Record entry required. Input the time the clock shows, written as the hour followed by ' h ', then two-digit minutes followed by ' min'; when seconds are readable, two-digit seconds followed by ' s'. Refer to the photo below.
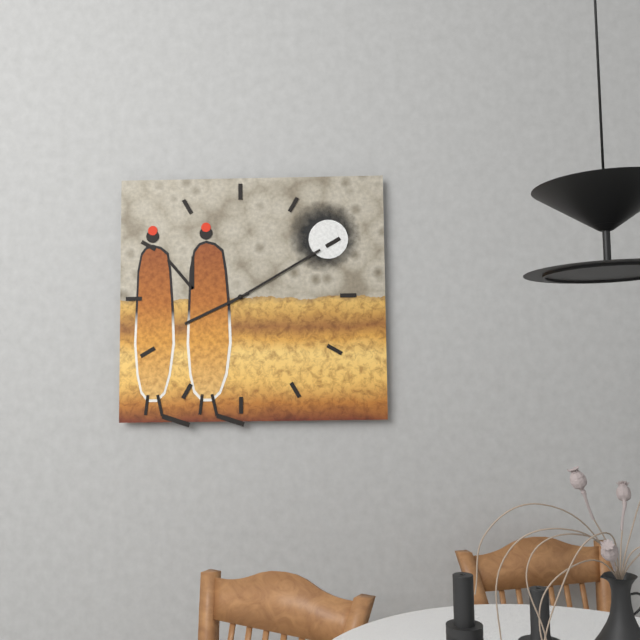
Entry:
8 h 10 min
